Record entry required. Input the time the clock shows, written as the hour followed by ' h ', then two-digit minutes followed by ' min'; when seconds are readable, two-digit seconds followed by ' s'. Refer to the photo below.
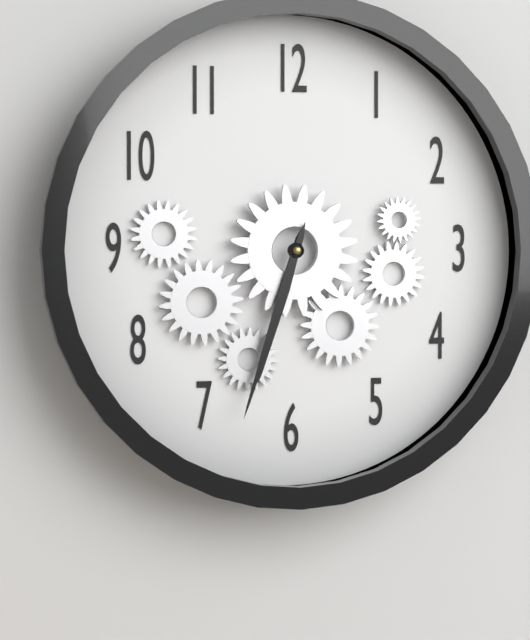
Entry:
6 h 33 min
